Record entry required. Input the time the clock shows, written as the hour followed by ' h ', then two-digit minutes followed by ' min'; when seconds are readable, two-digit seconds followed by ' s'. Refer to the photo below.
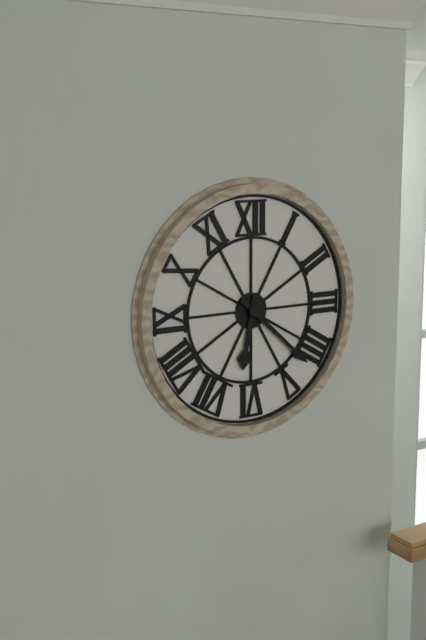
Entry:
6 h 22 min
